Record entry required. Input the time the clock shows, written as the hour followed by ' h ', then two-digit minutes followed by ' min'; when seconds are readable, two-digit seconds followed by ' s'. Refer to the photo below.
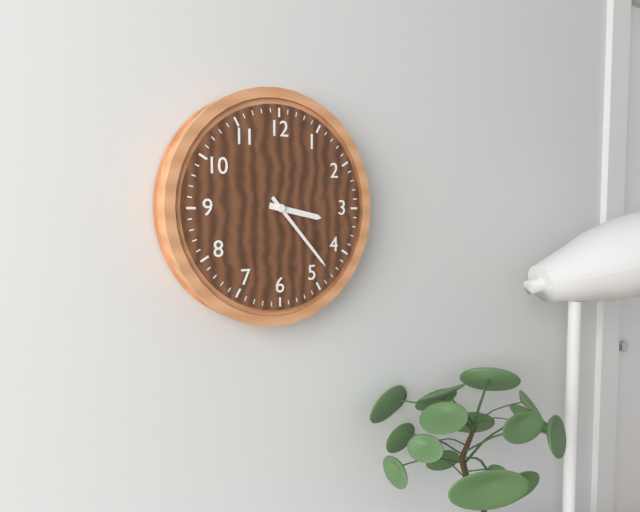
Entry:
3 h 23 min
